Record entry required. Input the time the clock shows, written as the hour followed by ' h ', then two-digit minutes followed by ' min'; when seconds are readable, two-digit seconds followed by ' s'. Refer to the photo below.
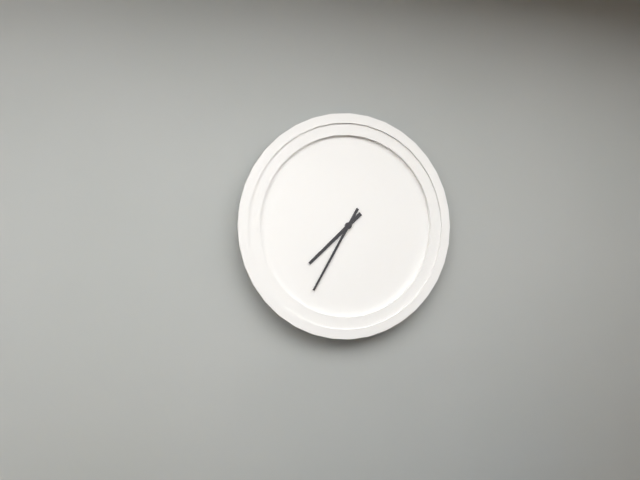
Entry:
7 h 35 min
